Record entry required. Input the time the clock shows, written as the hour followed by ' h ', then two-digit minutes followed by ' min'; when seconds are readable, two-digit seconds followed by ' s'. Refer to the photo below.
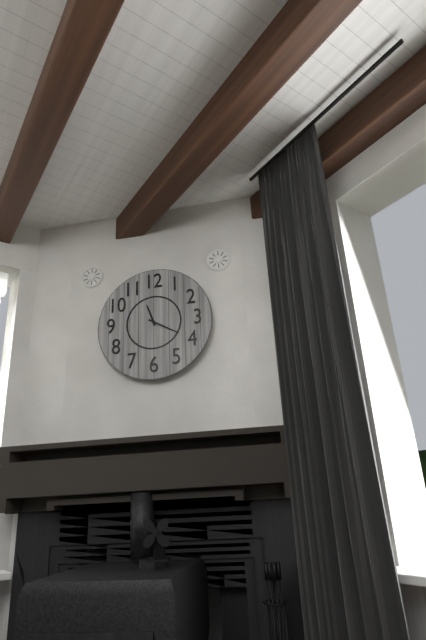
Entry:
11 h 20 min
